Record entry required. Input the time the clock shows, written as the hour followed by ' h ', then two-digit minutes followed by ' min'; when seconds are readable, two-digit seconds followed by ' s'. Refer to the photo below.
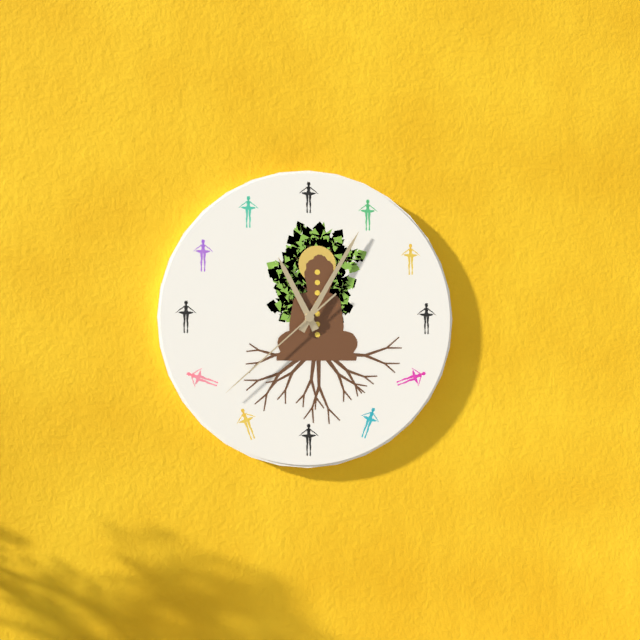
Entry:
11 h 05 min 38 s
